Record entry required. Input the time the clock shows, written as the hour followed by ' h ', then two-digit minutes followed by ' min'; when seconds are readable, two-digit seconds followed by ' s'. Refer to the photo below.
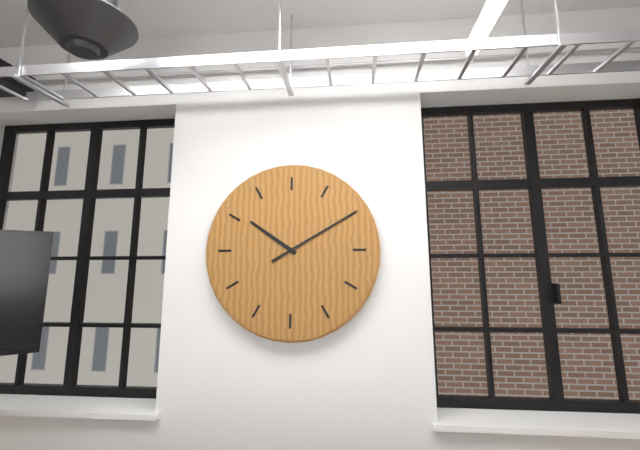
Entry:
10 h 10 min
